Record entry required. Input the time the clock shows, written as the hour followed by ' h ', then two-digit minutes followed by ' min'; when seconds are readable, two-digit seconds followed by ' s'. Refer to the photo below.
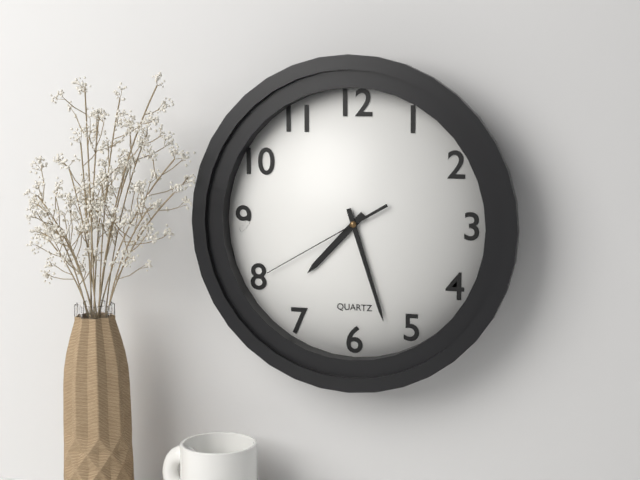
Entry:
7 h 27 min 40 s
